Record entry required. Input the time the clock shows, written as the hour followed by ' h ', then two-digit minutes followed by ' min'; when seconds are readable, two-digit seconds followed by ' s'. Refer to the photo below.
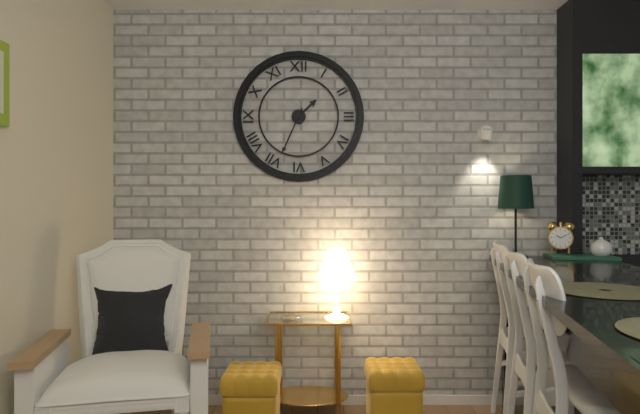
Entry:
1 h 34 min
